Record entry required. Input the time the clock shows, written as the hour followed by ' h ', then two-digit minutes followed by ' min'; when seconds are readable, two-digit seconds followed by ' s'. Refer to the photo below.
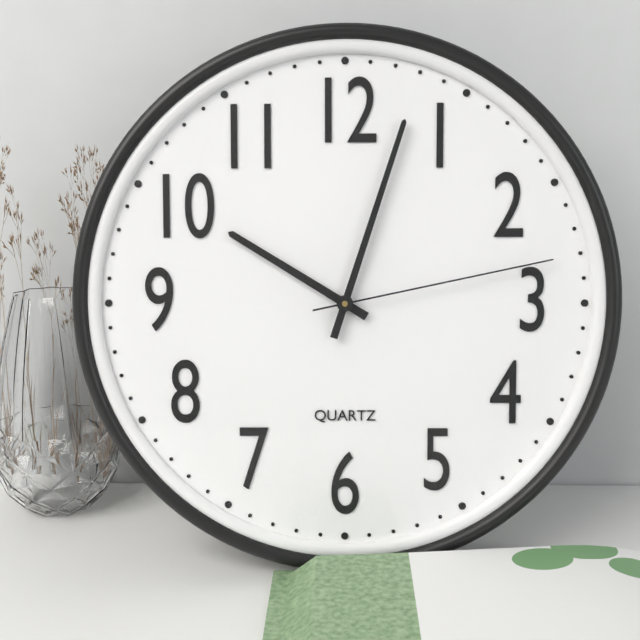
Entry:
10 h 03 min 13 s
